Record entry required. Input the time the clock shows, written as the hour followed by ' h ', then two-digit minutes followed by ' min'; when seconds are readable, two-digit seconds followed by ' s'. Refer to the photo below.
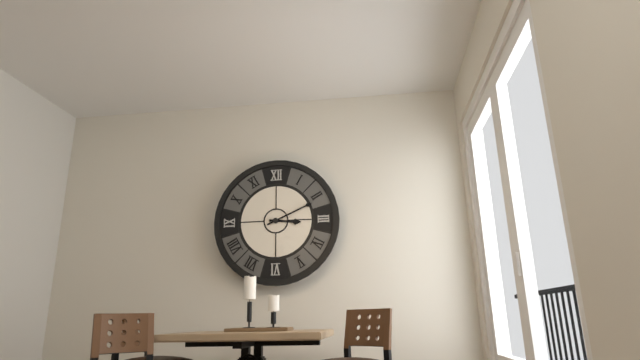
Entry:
3 h 11 min
